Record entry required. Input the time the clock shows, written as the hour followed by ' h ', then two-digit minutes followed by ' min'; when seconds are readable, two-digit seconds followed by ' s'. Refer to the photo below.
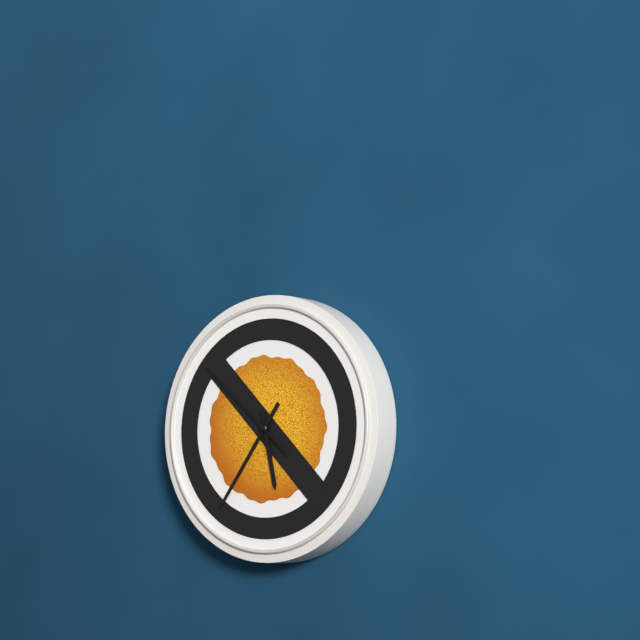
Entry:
5 h 36 min 52 s
